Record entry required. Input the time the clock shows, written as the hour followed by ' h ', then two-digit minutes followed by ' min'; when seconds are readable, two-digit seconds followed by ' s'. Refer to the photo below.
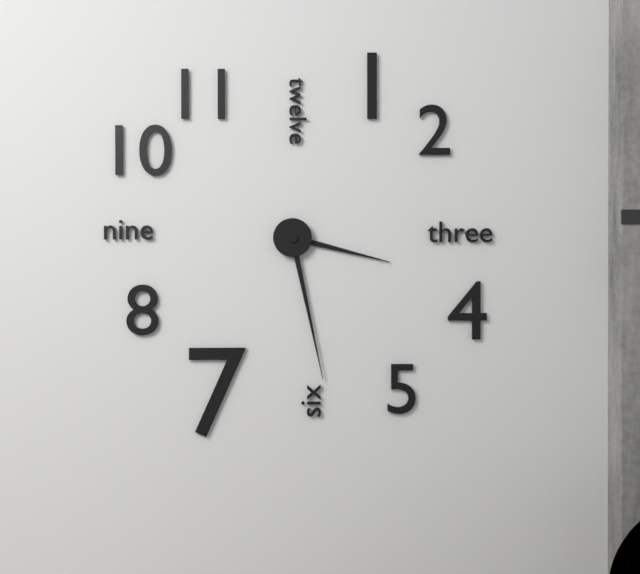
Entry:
3 h 28 min
